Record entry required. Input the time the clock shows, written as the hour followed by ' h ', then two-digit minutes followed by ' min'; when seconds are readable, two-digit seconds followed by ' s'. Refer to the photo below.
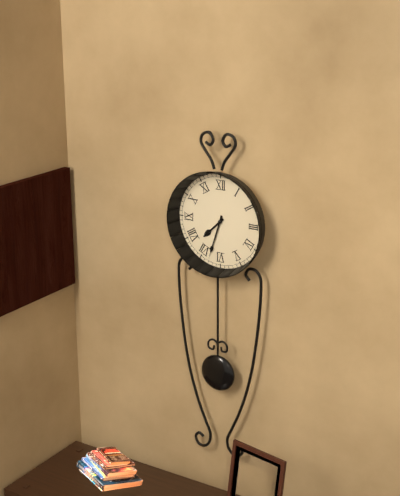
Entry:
7 h 33 min
